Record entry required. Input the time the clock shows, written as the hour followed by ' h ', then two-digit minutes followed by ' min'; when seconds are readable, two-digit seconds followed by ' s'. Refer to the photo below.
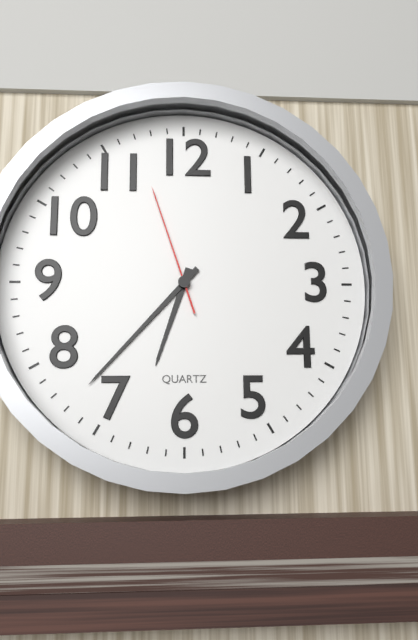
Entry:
6 h 37 min 57 s
